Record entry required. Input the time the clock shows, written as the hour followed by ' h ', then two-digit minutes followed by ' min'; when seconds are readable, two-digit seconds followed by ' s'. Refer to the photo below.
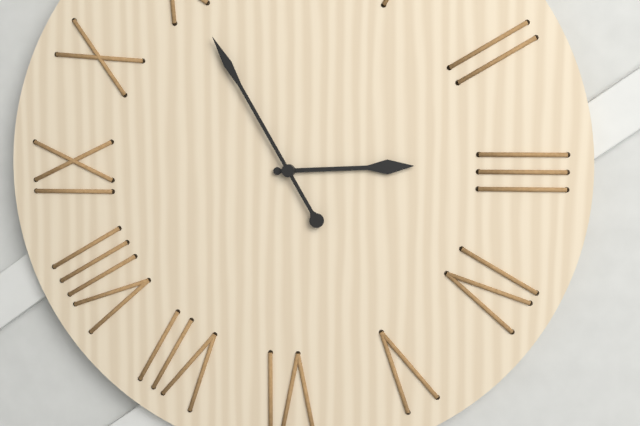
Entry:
2 h 55 min
